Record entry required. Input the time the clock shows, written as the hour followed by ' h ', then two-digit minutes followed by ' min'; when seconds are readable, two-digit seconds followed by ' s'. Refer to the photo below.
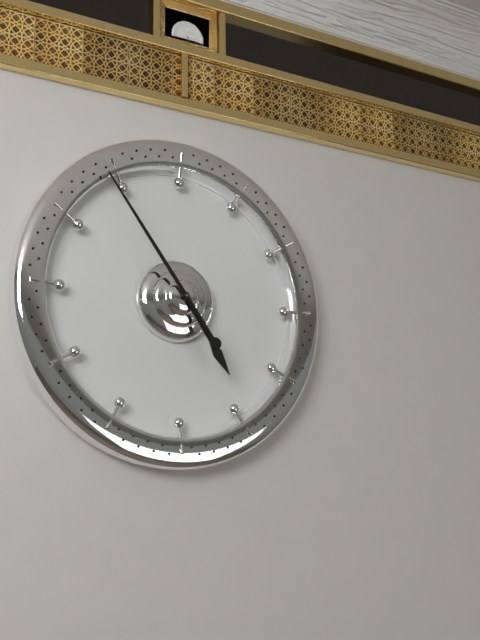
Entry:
4 h 54 min
